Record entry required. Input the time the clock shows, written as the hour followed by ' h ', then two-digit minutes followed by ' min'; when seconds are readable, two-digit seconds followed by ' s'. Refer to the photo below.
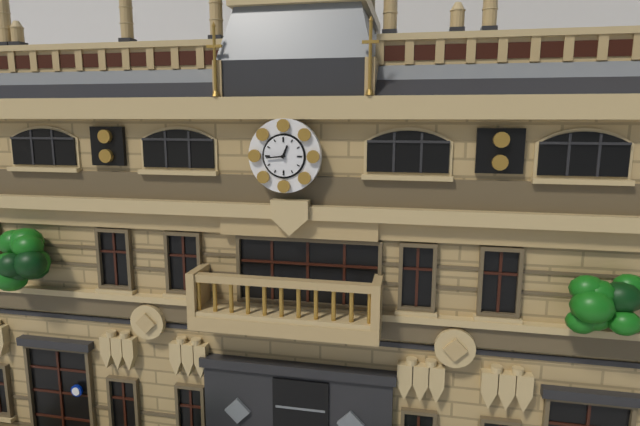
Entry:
12 h 44 min
